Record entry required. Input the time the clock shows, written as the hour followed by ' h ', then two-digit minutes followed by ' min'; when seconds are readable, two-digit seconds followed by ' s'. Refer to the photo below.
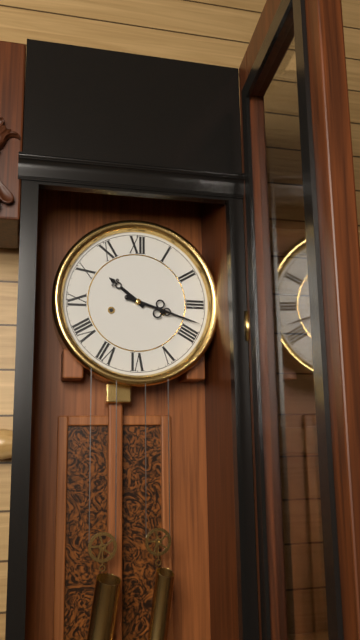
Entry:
10 h 18 min
